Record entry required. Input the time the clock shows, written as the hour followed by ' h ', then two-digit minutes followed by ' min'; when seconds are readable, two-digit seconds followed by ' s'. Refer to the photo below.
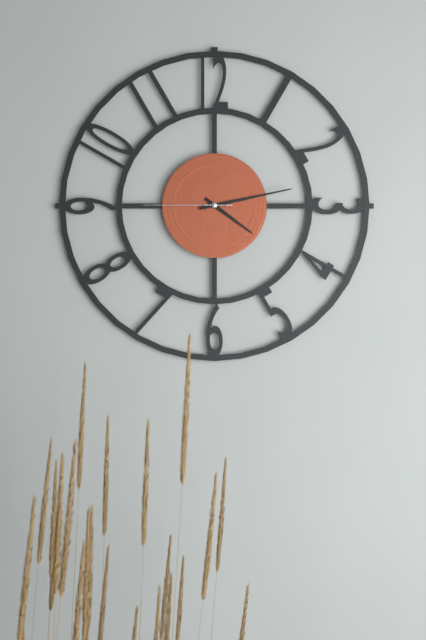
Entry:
4 h 13 min 45 s
